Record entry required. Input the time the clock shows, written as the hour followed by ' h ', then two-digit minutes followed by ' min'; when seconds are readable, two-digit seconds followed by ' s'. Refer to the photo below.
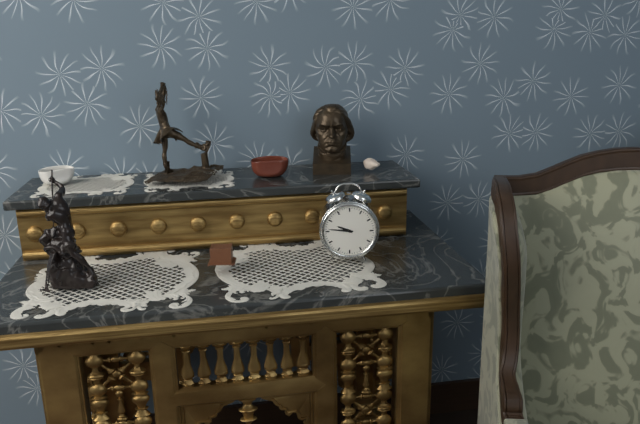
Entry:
9 h 46 min
